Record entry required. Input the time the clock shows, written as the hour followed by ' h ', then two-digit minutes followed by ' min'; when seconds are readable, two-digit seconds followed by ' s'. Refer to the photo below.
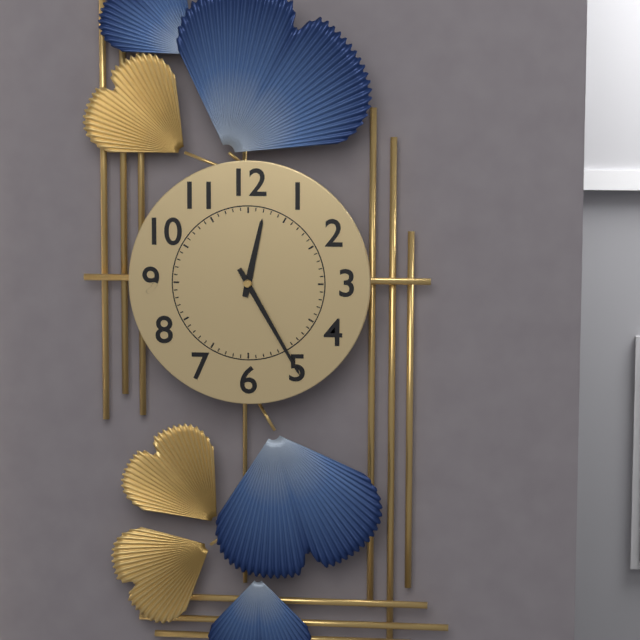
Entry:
12 h 25 min
